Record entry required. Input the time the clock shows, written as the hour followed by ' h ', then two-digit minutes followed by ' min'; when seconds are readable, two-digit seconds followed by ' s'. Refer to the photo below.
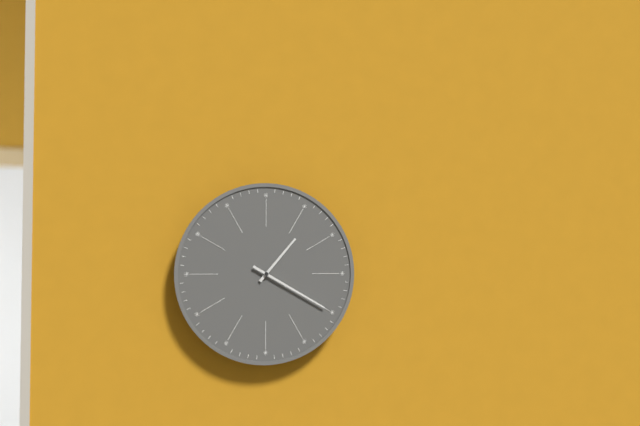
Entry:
1 h 20 min
